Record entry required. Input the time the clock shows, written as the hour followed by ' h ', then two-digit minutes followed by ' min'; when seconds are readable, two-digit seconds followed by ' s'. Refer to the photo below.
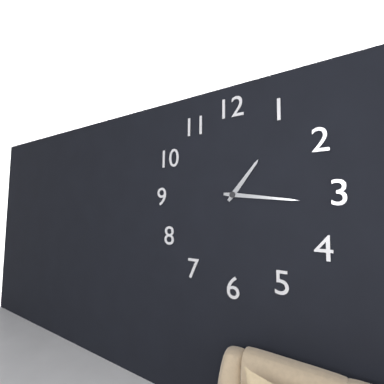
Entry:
1 h 16 min
